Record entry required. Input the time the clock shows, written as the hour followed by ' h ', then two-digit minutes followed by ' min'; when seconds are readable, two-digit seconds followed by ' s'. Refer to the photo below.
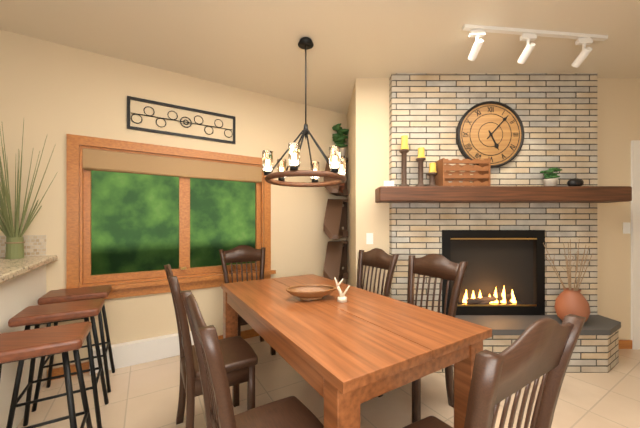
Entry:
5 h 07 min
